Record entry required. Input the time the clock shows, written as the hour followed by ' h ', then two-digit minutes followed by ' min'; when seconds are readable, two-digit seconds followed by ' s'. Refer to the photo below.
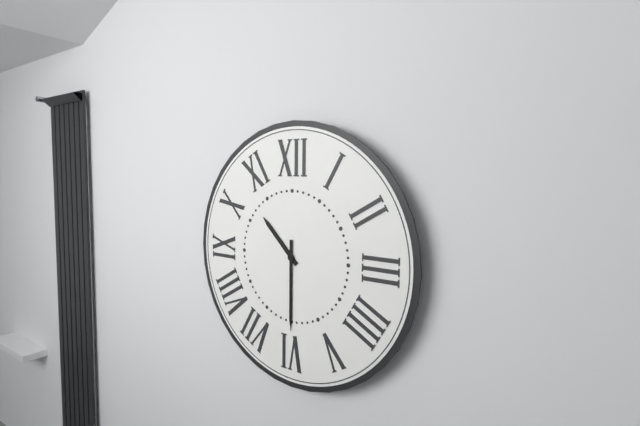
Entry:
10 h 30 min
